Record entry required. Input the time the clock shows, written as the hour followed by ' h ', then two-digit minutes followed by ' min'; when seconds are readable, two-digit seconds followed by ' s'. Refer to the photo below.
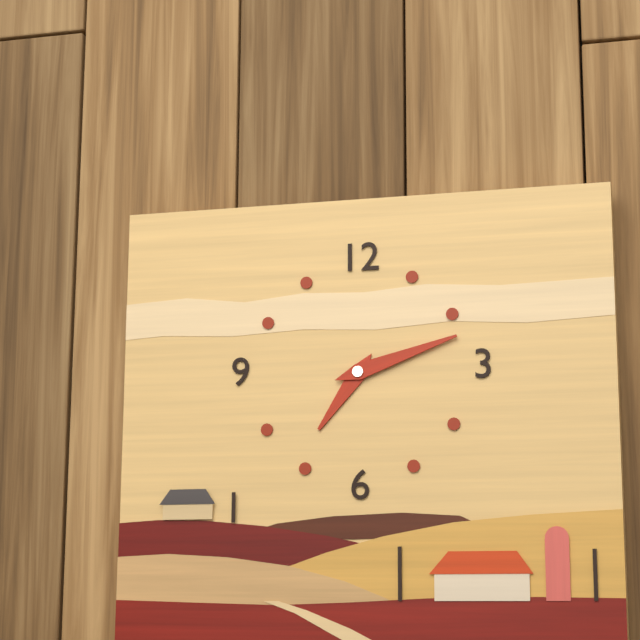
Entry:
7 h 12 min
